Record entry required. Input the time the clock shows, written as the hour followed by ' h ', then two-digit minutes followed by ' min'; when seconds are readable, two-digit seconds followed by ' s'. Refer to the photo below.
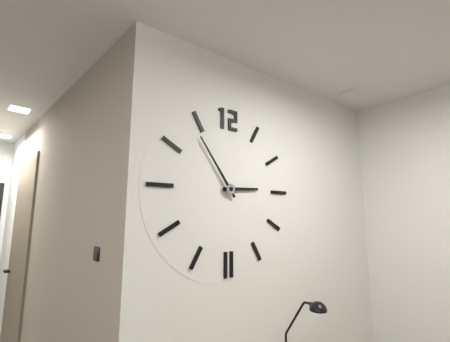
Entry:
2 h 54 min
